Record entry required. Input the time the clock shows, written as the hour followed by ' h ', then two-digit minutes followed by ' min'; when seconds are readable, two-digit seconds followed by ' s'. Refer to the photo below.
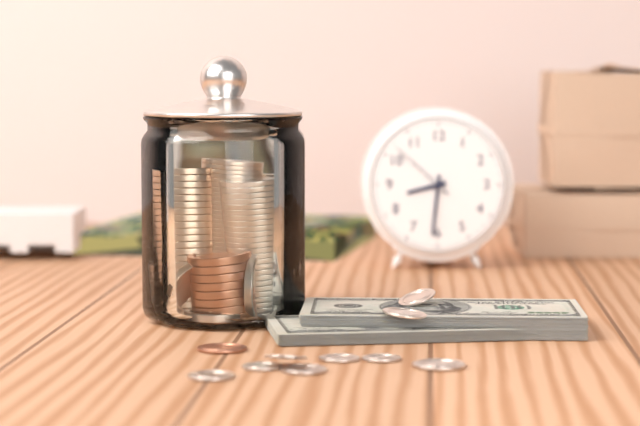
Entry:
8 h 31 min 52 s
